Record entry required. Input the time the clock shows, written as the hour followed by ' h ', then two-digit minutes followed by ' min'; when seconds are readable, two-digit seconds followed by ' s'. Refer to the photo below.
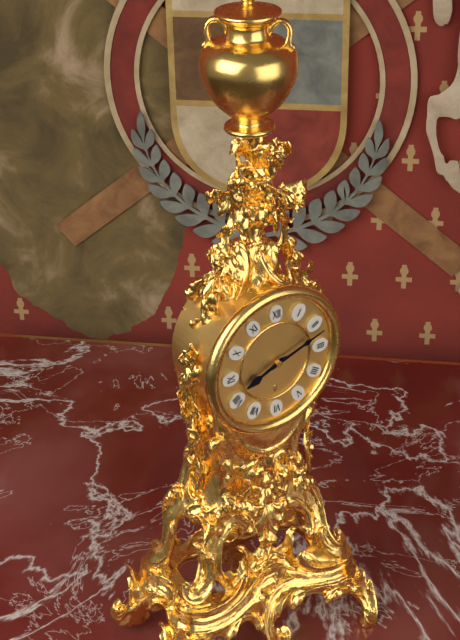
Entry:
8 h 12 min
